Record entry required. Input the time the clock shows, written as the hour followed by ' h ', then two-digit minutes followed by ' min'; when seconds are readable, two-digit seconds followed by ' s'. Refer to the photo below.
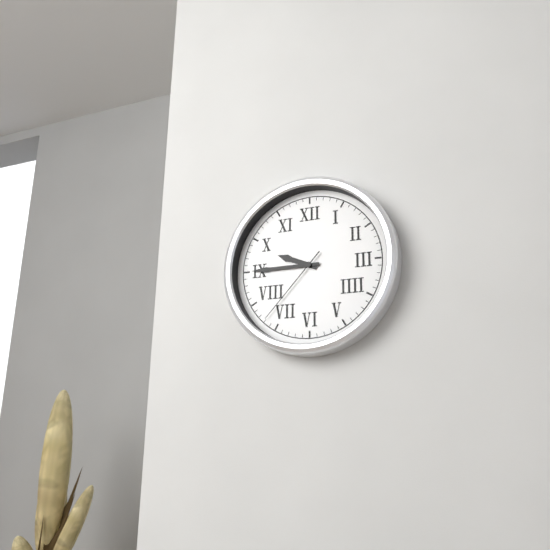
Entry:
9 h 45 min 37 s
